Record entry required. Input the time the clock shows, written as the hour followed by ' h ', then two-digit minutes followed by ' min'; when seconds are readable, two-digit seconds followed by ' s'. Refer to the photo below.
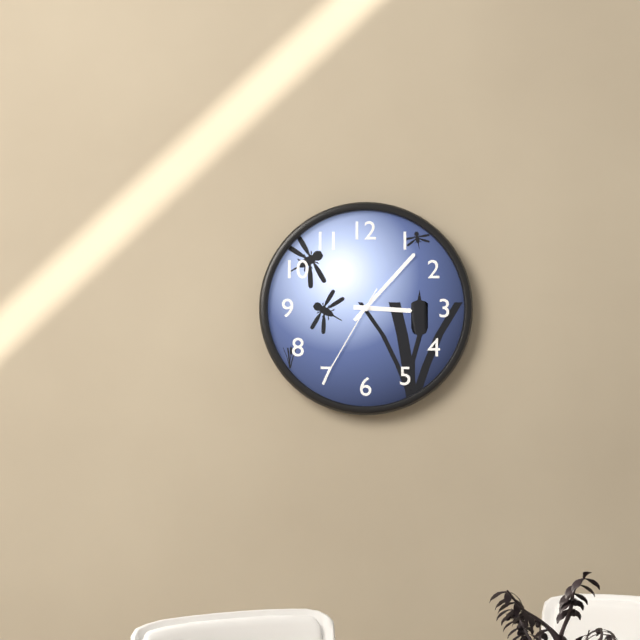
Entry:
3 h 07 min 35 s
